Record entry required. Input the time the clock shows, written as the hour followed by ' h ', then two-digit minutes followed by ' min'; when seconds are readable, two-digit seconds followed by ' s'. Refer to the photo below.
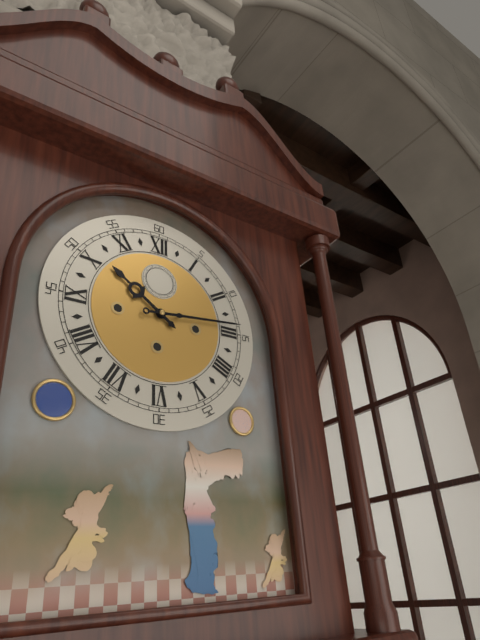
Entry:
10 h 14 min
